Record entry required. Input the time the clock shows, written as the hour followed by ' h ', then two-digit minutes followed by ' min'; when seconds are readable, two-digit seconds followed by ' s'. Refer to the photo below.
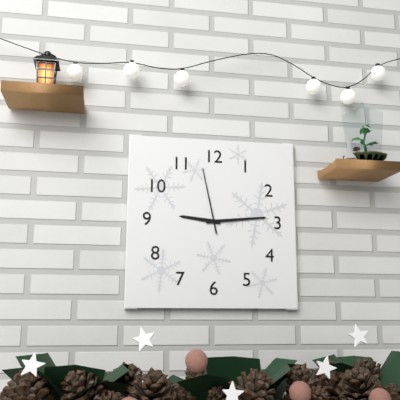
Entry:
9 h 14 min 58 s
